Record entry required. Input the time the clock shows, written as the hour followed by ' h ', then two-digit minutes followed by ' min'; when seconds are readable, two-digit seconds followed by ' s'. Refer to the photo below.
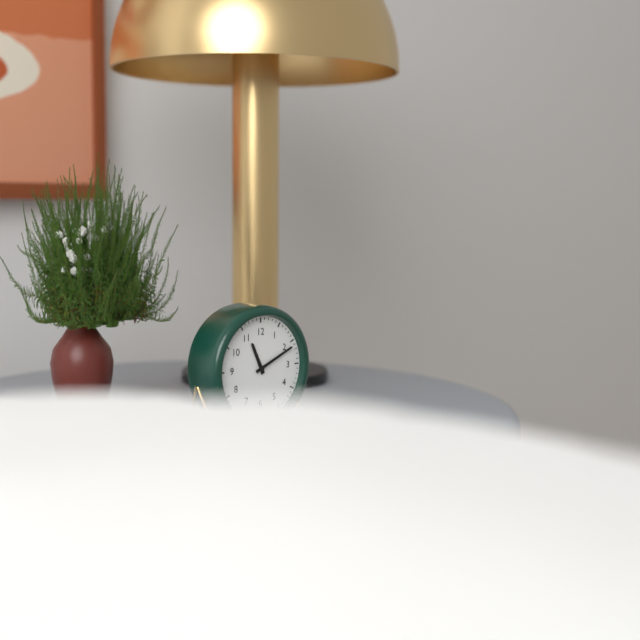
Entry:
11 h 11 min
